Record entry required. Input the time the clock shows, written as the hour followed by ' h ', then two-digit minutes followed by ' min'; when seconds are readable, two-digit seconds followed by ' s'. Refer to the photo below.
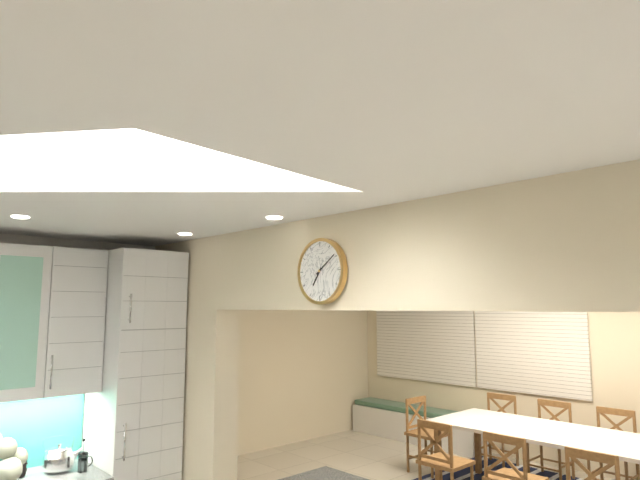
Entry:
7 h 09 min
